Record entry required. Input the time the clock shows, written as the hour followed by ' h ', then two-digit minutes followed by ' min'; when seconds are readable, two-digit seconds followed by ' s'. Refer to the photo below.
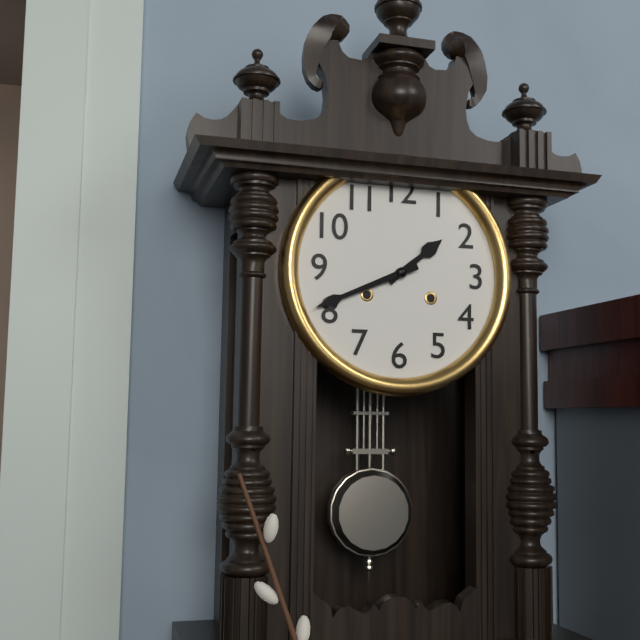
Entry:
1 h 41 min
